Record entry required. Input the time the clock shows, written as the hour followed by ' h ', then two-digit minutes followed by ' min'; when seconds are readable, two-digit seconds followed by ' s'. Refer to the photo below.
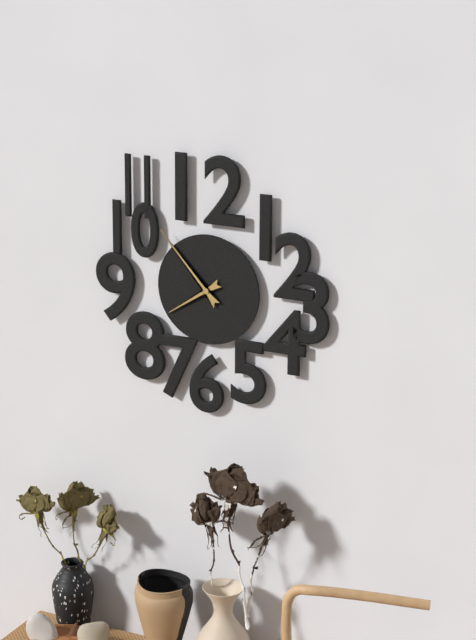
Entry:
7 h 53 min
